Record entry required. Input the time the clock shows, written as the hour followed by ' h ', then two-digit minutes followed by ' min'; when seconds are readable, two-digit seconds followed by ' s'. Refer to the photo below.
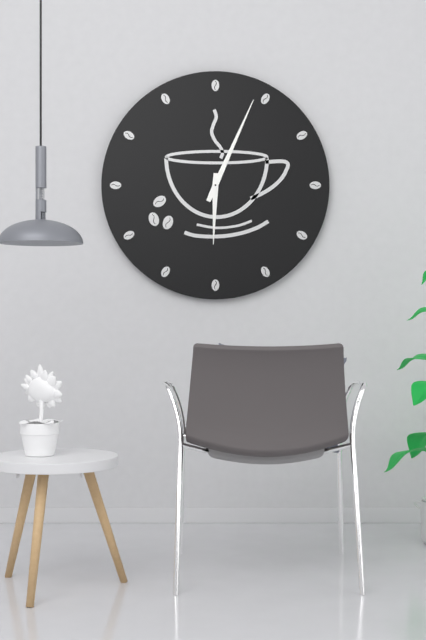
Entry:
6 h 04 min
